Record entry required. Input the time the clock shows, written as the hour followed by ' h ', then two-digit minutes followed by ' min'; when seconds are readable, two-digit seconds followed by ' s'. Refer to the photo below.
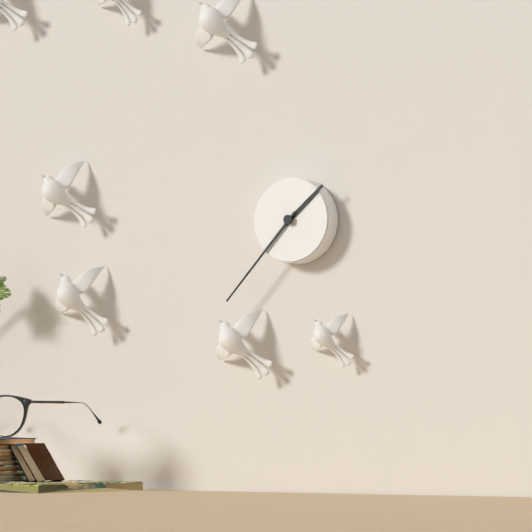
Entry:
1 h 37 min
